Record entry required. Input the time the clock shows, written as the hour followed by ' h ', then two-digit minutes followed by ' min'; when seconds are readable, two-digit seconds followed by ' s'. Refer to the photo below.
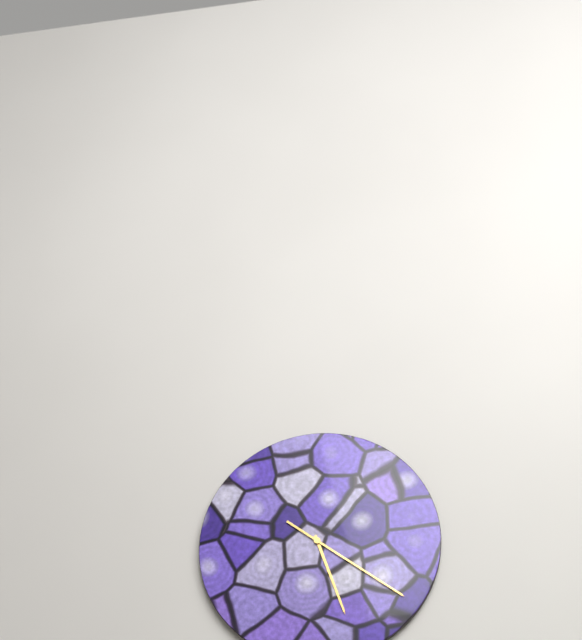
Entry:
5 h 21 min
